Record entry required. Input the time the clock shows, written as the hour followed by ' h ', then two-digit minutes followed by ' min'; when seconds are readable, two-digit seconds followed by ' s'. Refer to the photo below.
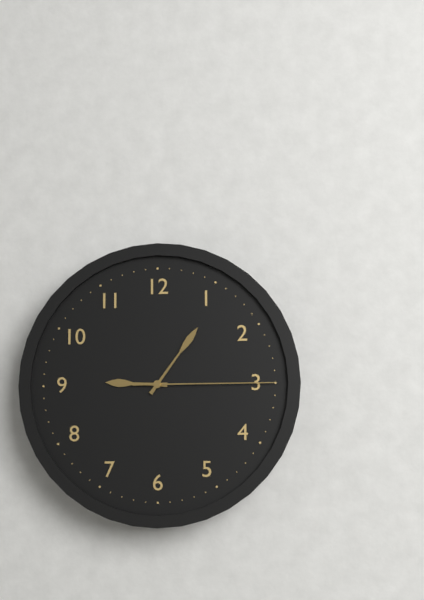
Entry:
9 h 06 min 15 s
